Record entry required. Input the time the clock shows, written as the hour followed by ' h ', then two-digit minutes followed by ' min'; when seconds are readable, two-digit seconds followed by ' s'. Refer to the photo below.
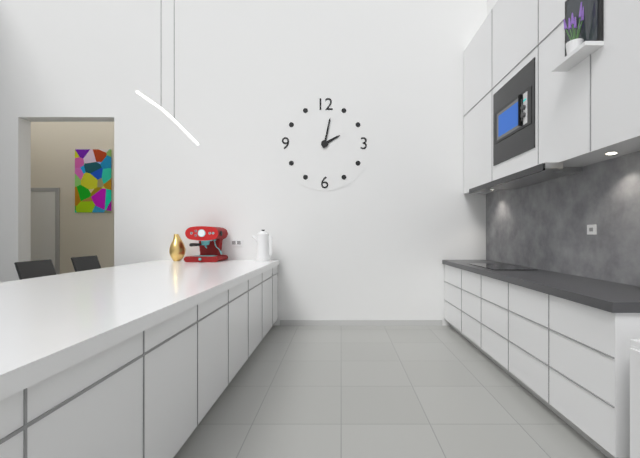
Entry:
2 h 02 min
